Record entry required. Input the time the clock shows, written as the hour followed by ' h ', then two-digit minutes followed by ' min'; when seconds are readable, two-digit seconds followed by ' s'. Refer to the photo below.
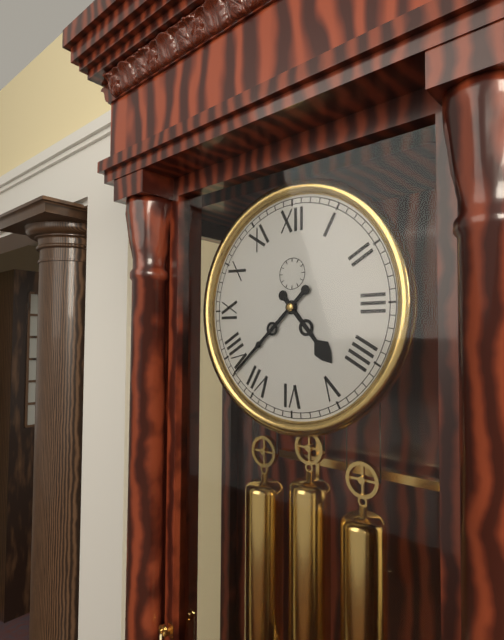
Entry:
4 h 38 min
